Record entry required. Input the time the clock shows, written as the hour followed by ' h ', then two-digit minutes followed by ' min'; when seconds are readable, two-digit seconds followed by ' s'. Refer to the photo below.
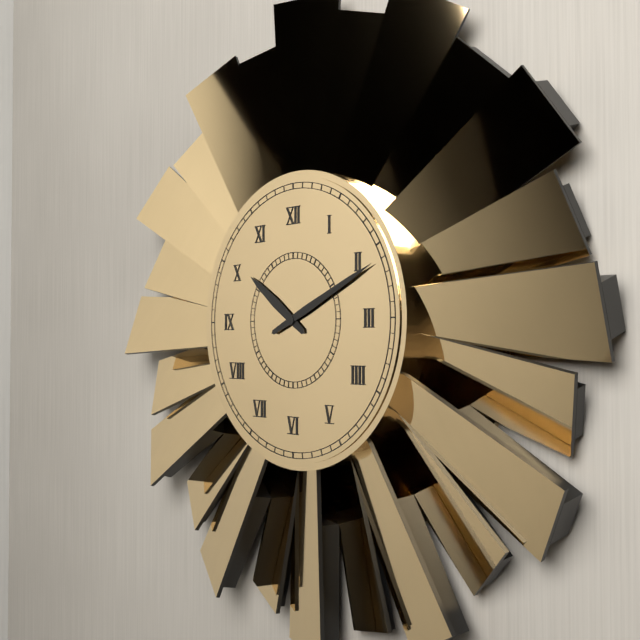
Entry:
10 h 11 min
